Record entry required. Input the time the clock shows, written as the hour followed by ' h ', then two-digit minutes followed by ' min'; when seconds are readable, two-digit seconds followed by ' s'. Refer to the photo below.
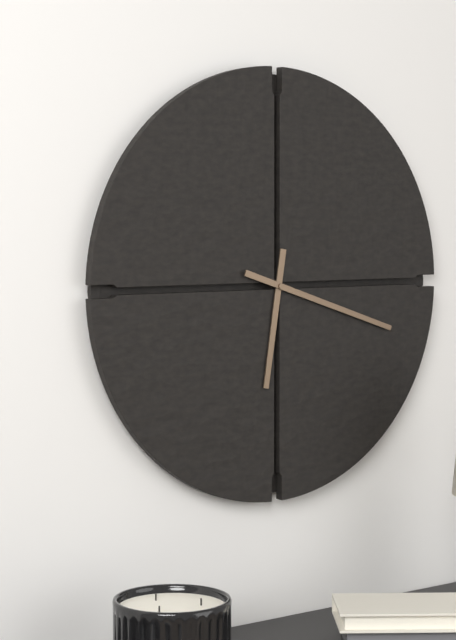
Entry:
6 h 18 min
